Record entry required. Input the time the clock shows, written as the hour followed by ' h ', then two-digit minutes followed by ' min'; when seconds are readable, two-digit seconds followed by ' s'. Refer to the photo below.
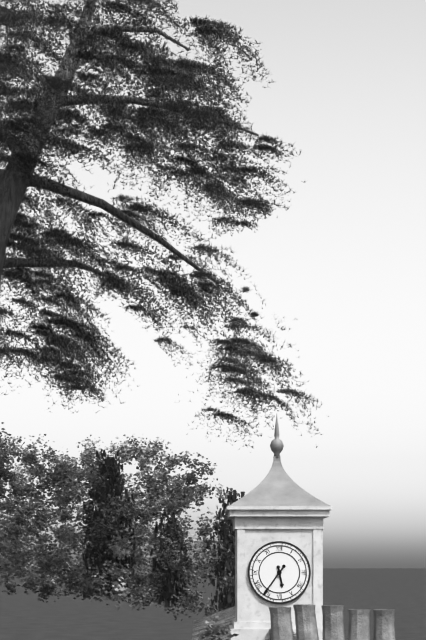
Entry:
5 h 36 min
